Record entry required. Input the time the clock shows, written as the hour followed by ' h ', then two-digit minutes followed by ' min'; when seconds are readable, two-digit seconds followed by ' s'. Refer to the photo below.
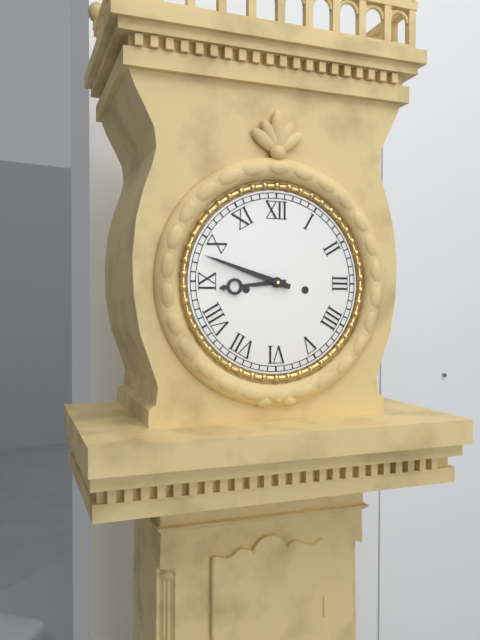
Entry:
8 h 48 min
